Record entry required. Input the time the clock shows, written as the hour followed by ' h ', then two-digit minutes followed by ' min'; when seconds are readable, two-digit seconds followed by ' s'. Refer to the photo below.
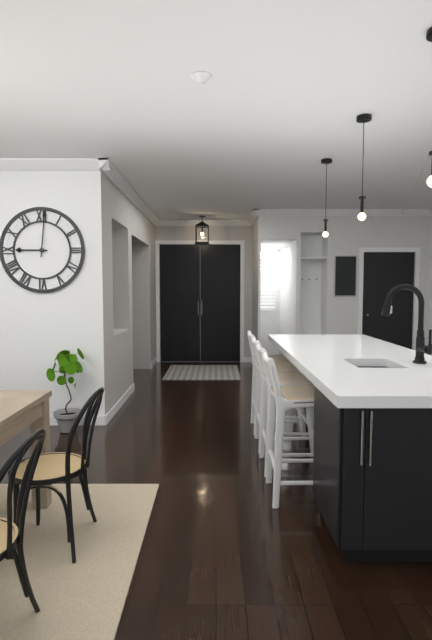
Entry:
9 h 01 min
